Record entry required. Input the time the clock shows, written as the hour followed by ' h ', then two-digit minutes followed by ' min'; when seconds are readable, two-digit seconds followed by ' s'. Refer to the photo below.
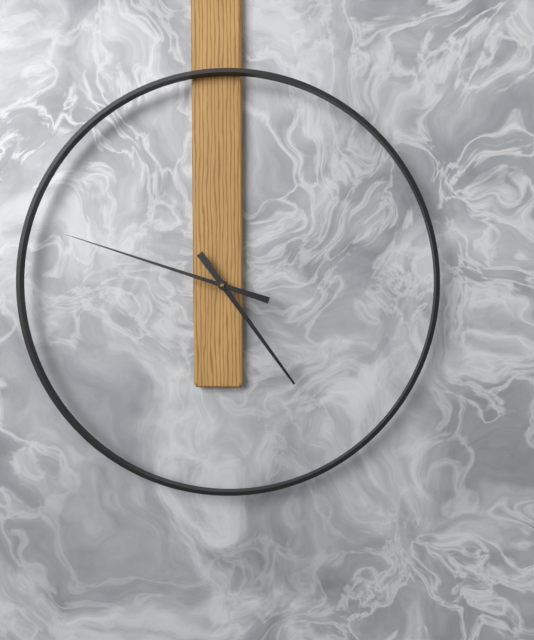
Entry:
4 h 48 min
